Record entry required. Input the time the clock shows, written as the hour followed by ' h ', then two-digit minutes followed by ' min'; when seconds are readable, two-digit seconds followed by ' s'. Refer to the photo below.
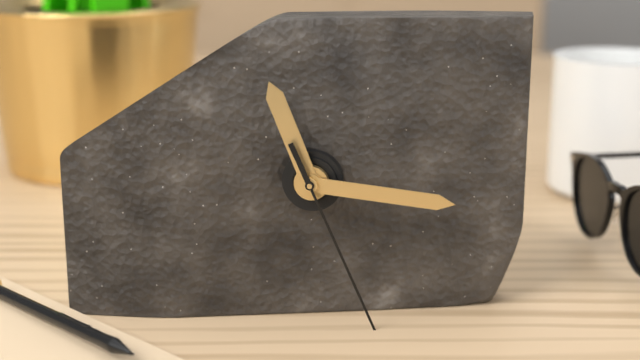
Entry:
11 h 16 min
